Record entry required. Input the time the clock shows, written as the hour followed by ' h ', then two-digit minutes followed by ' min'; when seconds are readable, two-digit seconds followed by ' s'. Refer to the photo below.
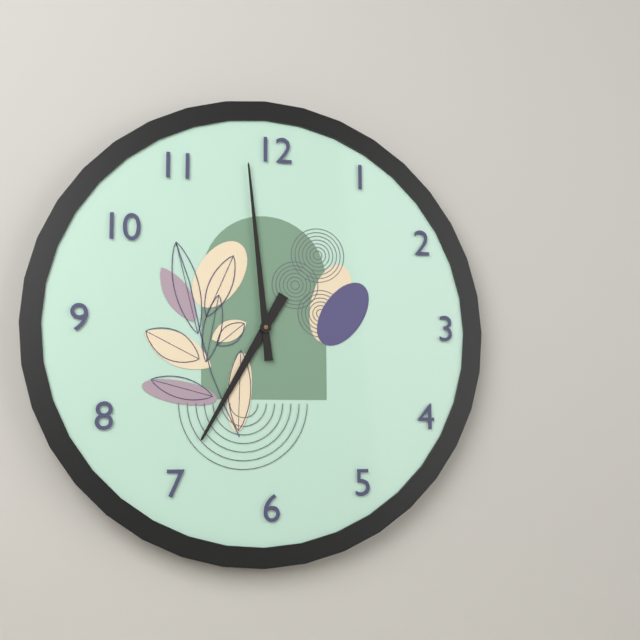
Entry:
6 h 59 min
